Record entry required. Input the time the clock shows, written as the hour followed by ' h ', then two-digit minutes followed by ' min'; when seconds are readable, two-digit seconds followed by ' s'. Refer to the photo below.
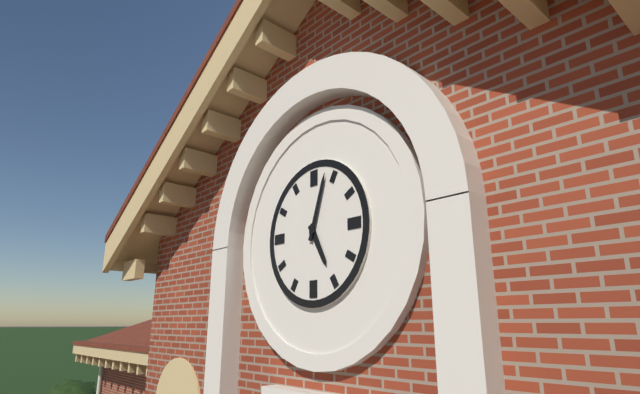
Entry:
5 h 03 min
